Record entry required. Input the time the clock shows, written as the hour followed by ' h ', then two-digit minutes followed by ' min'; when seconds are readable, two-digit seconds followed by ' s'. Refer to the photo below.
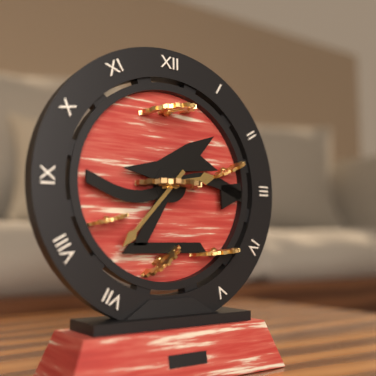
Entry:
2 h 37 min
